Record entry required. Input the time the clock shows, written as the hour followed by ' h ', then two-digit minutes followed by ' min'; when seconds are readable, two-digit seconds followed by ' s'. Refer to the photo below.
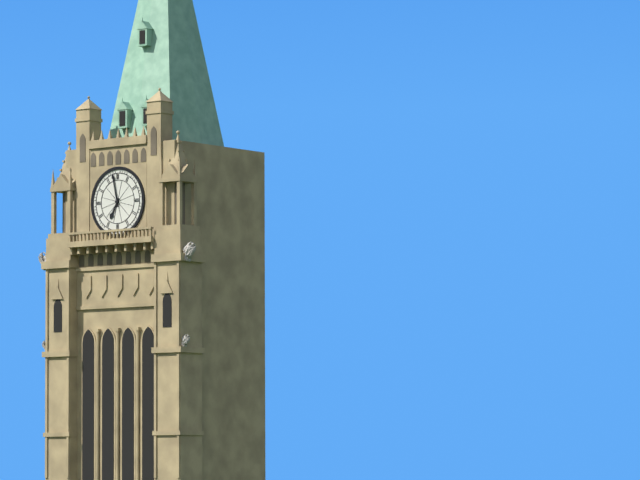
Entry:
6 h 58 min
